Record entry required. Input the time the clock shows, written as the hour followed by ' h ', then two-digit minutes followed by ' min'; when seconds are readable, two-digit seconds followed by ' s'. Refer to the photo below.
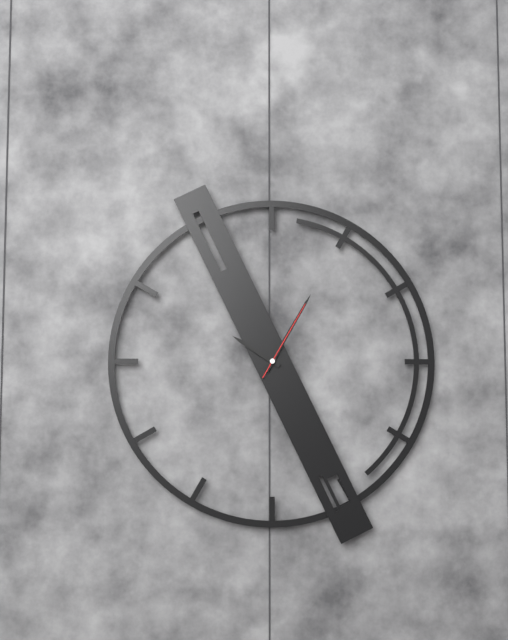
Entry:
10 h 05 min 05 s
